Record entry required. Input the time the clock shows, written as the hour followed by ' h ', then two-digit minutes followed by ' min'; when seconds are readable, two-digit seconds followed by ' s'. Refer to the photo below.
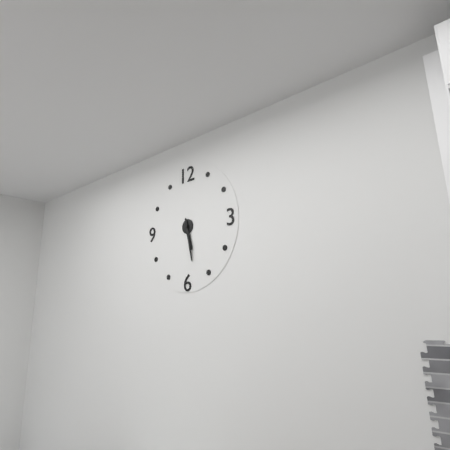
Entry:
5 h 28 min
